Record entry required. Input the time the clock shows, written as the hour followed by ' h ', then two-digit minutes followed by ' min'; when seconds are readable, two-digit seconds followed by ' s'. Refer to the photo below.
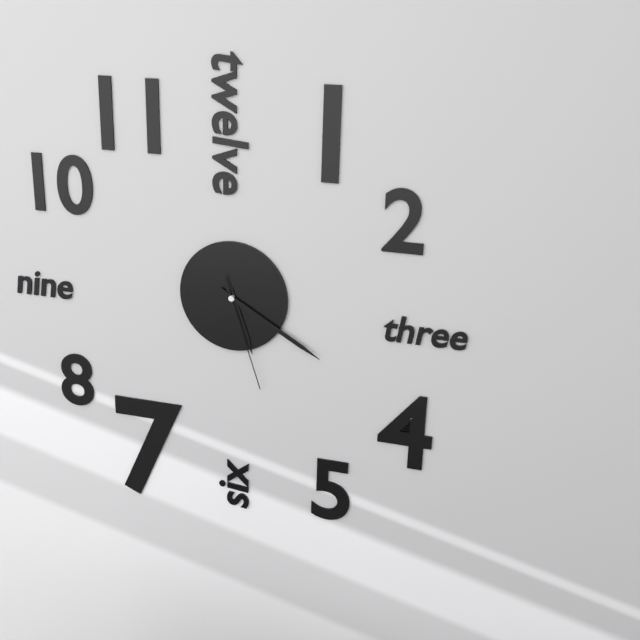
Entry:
5 h 20 min 27 s
